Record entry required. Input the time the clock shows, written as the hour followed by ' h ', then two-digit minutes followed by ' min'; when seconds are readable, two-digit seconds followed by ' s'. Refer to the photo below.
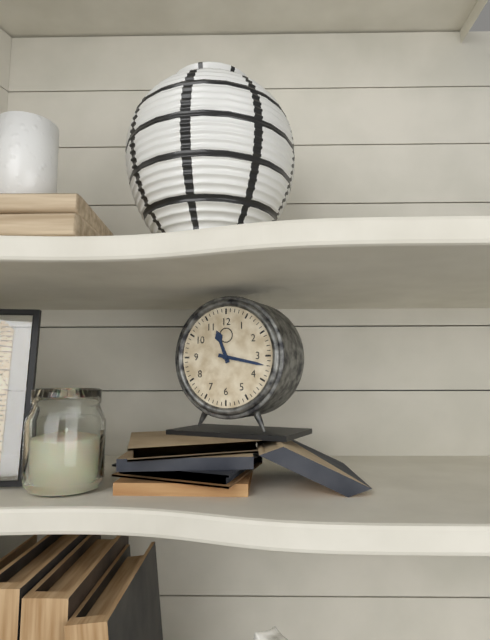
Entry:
11 h 17 min
